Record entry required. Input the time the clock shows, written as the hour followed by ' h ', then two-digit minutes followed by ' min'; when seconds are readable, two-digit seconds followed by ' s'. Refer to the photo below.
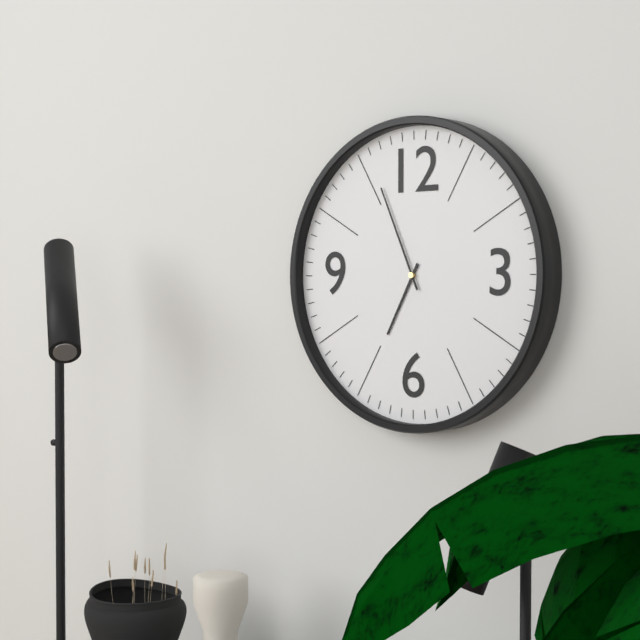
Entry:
6 h 56 min
